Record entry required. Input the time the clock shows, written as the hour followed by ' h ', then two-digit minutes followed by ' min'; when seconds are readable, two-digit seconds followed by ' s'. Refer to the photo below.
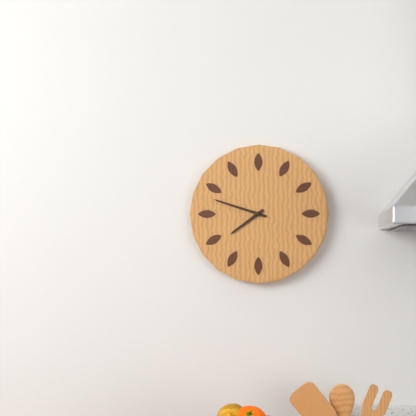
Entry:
7 h 48 min
